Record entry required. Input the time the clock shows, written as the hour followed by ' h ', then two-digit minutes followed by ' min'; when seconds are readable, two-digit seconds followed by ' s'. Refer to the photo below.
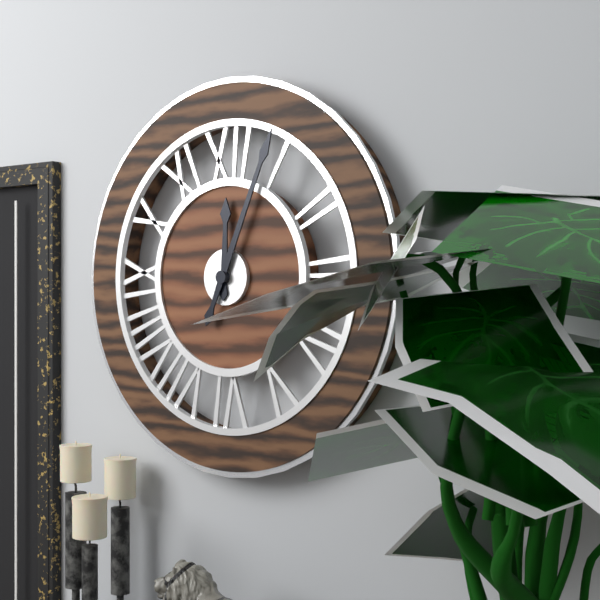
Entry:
12 h 04 min
